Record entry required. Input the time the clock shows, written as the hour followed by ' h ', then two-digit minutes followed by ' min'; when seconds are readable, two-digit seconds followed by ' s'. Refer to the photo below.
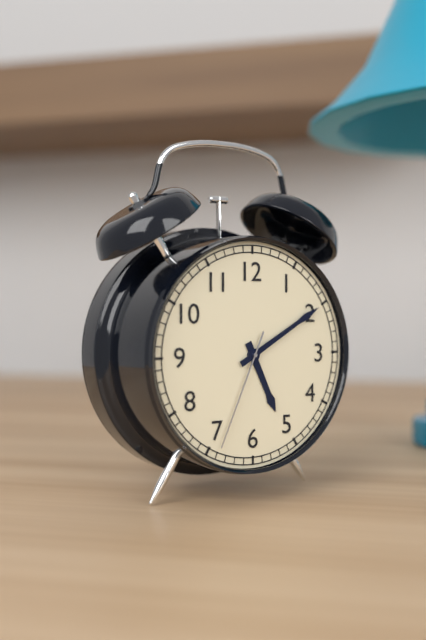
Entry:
5 h 10 min 34 s
